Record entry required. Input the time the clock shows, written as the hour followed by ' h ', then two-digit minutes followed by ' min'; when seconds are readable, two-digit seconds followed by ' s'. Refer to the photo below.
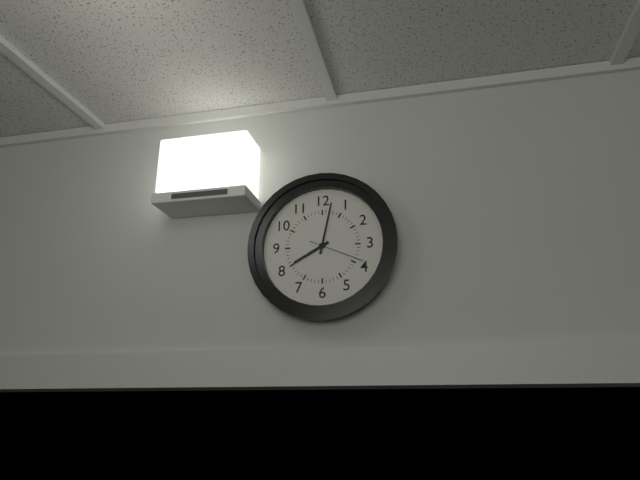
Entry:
8 h 02 min 19 s
